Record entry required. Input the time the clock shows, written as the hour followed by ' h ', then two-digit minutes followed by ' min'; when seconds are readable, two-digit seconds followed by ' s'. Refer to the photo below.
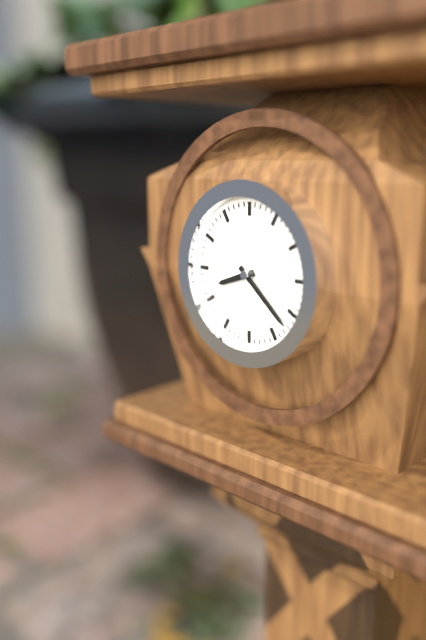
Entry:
8 h 22 min
